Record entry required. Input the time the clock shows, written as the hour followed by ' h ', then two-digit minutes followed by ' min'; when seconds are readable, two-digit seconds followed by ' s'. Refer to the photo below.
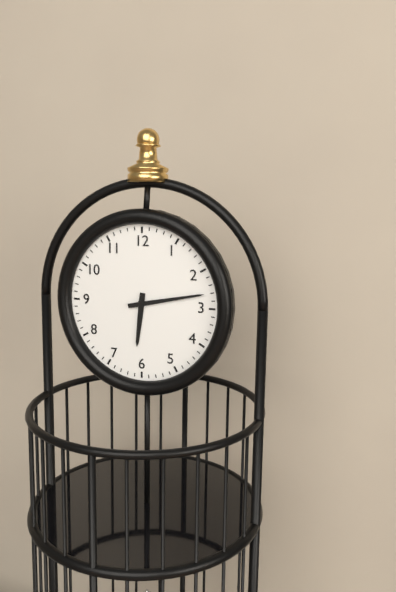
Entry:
6 h 13 min
